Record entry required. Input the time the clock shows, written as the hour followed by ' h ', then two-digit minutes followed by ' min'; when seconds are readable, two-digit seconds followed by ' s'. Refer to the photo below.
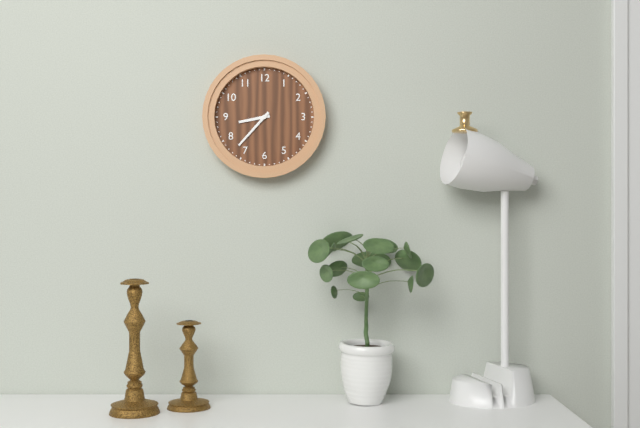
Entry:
8 h 37 min
